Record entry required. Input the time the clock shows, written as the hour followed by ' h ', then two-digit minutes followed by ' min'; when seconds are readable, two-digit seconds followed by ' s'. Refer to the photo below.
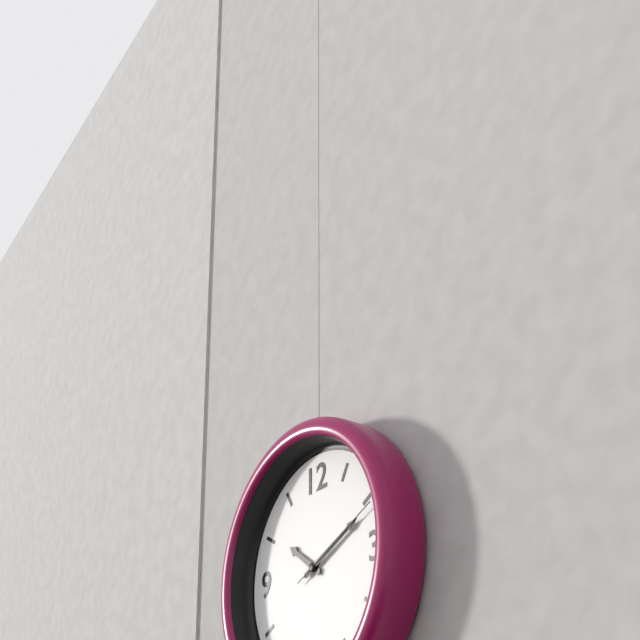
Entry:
10 h 11 min 11 s
